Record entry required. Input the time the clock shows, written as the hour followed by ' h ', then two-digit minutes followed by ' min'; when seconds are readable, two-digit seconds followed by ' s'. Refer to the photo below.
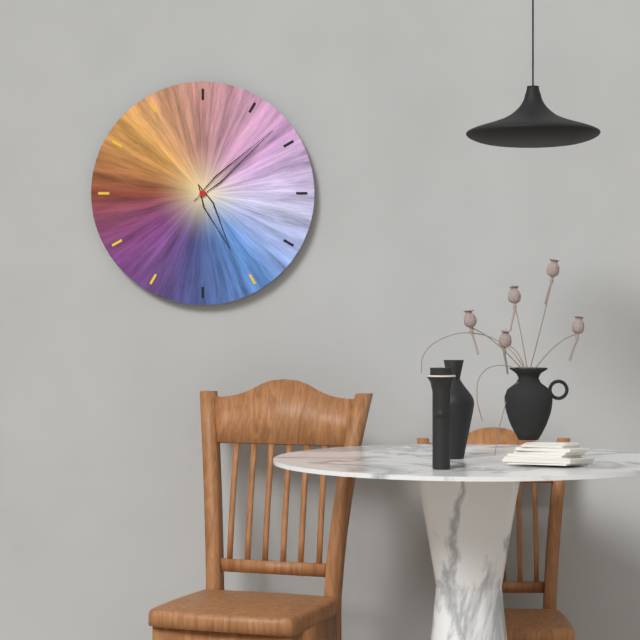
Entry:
5 h 08 min
